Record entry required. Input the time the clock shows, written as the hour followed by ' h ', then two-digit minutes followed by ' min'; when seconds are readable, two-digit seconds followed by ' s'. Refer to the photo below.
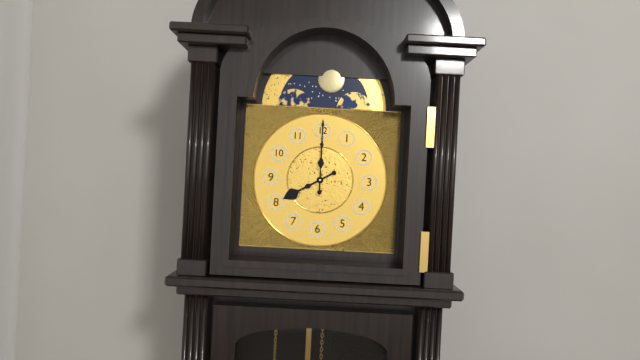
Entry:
8 h 00 min
